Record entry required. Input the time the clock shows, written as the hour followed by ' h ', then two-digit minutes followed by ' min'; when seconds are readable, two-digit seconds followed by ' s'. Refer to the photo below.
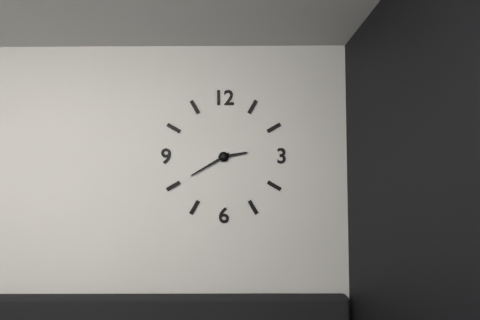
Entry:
2 h 40 min
